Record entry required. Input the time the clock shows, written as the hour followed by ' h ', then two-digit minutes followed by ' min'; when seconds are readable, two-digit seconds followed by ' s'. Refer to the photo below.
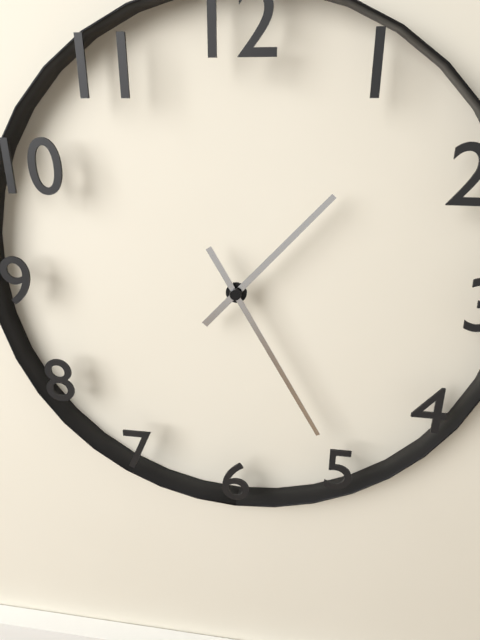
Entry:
1 h 25 min
